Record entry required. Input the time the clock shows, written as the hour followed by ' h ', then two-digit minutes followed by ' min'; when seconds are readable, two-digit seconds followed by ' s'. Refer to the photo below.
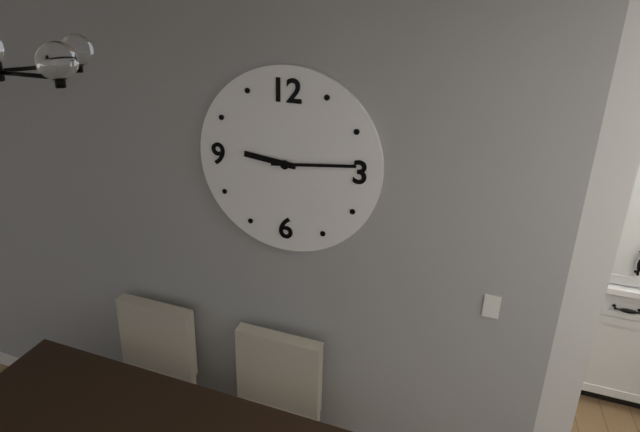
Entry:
9 h 14 min
